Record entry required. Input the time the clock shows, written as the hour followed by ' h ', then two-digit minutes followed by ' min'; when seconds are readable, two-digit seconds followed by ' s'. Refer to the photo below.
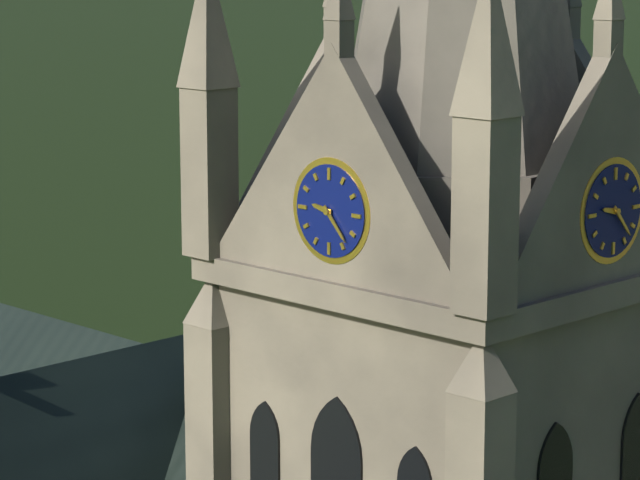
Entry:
9 h 23 min
